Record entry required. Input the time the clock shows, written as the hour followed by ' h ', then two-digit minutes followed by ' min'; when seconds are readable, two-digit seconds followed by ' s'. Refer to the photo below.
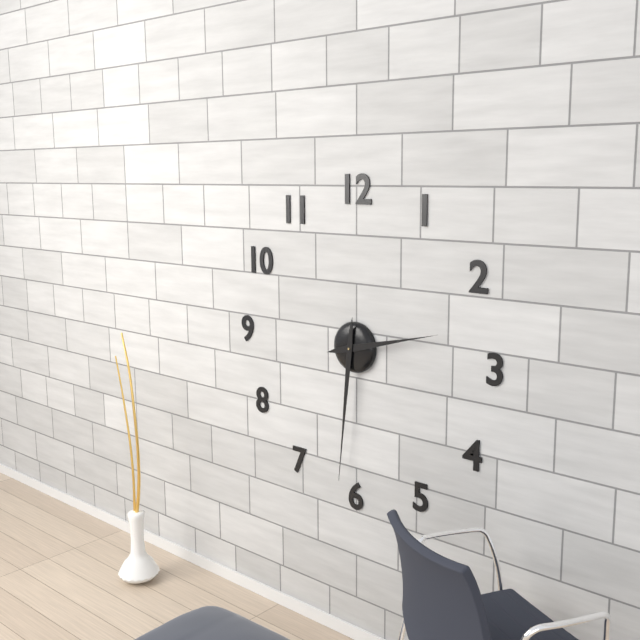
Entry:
2 h 31 min
